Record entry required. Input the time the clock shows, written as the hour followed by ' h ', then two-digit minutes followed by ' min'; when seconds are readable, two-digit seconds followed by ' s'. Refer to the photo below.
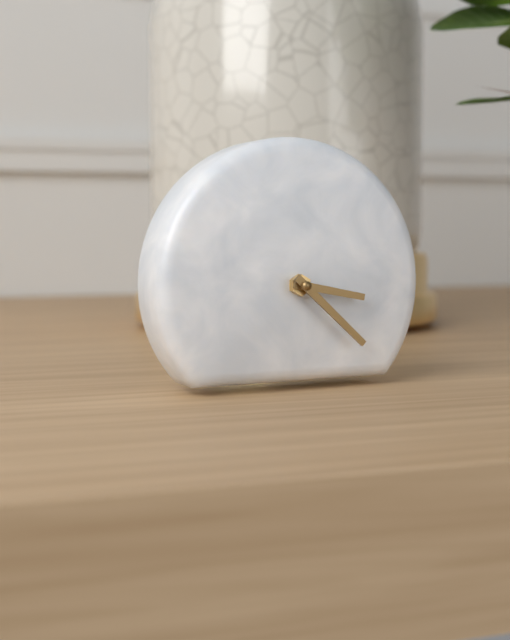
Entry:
3 h 22 min
